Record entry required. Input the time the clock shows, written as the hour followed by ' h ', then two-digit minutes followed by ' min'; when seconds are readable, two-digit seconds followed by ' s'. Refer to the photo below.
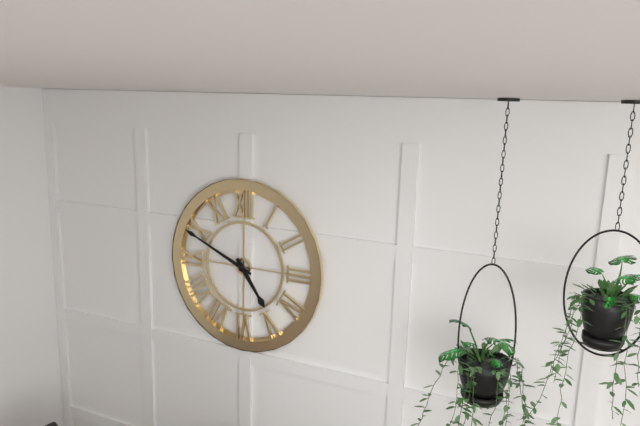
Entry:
4 h 49 min
